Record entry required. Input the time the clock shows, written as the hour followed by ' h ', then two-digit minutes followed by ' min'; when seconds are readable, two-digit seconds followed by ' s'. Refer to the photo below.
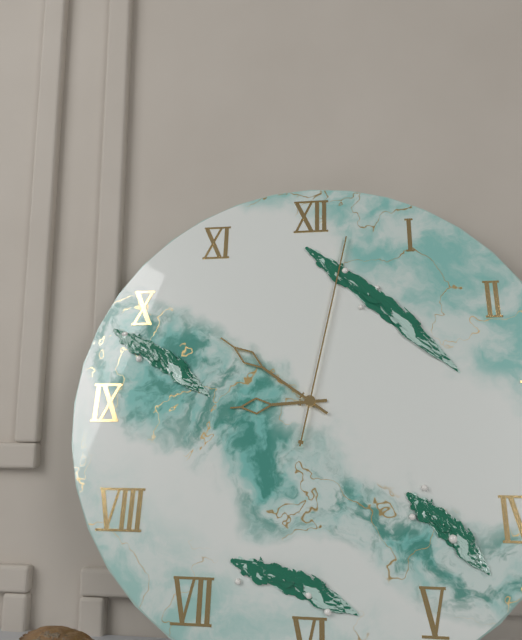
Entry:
8 h 51 min 02 s
